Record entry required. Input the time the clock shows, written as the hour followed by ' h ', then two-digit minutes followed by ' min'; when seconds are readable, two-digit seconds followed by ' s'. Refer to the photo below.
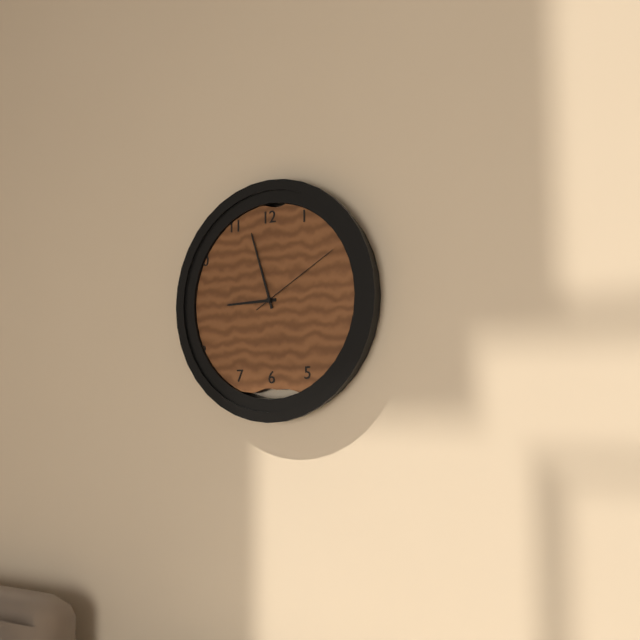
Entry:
8 h 57 min 10 s
